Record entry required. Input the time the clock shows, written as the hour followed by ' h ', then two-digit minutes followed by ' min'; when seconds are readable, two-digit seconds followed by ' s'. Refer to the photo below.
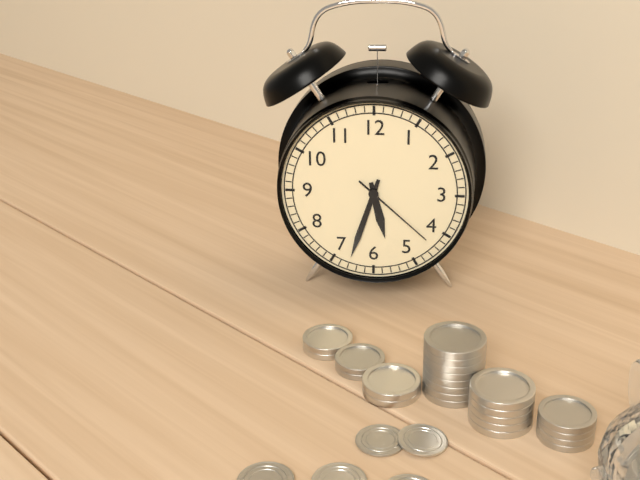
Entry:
5 h 33 min 22 s
